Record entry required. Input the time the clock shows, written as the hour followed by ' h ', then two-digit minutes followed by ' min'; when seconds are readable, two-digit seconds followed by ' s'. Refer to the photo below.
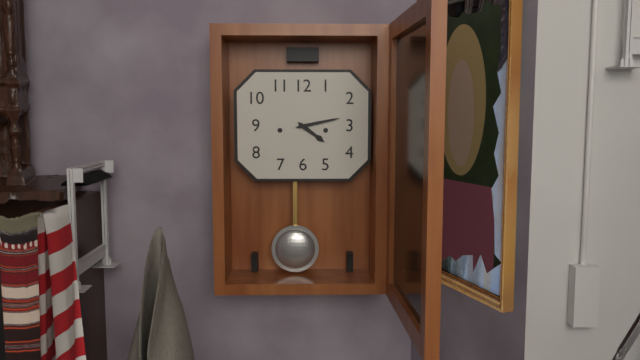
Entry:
4 h 13 min
